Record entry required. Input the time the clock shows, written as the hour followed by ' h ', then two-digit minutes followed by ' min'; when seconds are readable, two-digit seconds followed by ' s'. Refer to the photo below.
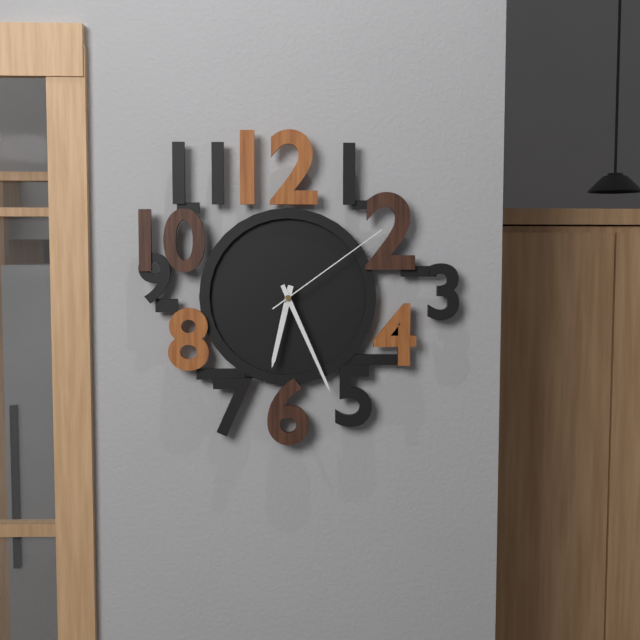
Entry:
6 h 26 min 09 s
